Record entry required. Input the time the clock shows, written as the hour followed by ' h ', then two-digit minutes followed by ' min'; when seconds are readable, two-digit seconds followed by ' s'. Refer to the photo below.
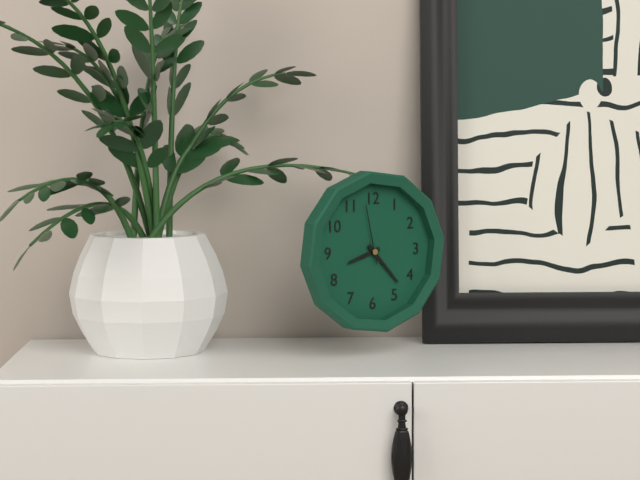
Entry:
8 h 23 min 58 s
